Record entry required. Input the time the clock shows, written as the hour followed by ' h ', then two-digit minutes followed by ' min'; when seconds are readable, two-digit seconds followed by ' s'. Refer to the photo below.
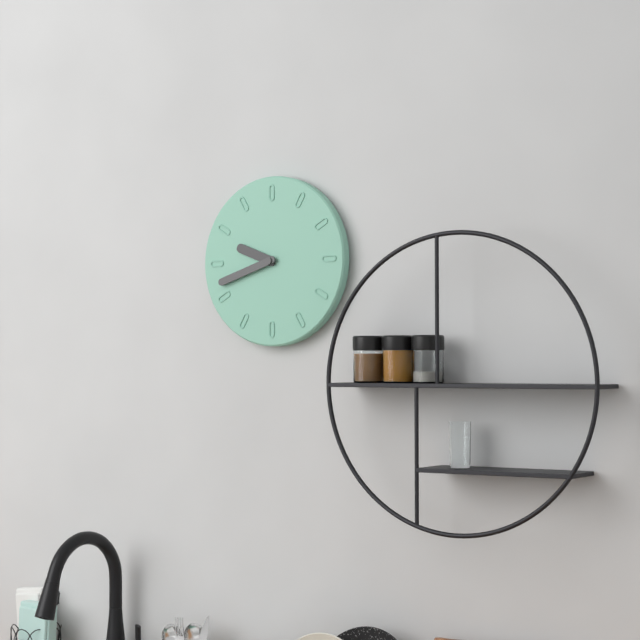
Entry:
9 h 42 min
